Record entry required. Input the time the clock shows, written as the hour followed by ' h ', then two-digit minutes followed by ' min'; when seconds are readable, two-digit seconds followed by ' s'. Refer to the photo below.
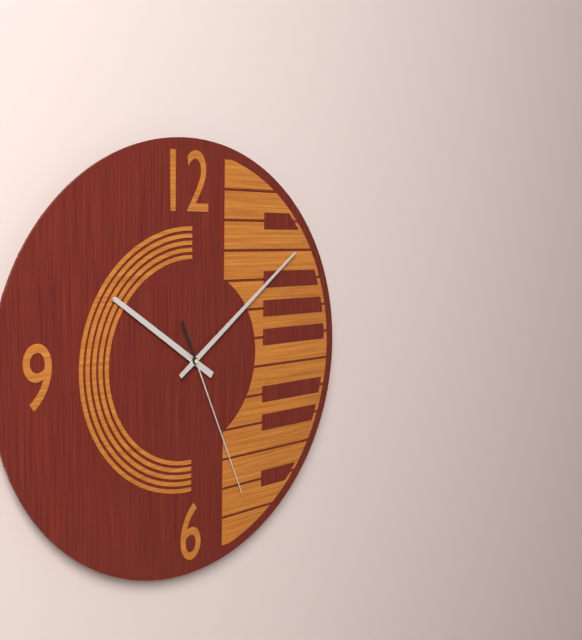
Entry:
10 h 09 min 26 s
